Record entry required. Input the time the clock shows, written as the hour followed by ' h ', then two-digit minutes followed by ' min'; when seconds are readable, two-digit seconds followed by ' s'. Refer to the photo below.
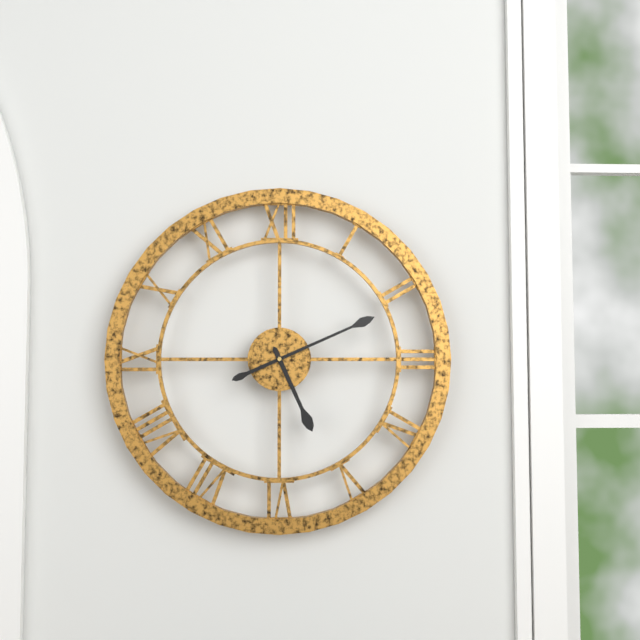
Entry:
5 h 11 min
